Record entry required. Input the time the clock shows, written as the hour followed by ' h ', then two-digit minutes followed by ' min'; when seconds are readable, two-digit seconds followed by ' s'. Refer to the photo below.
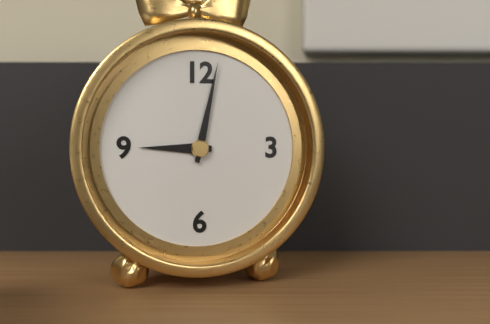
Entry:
9 h 02 min
